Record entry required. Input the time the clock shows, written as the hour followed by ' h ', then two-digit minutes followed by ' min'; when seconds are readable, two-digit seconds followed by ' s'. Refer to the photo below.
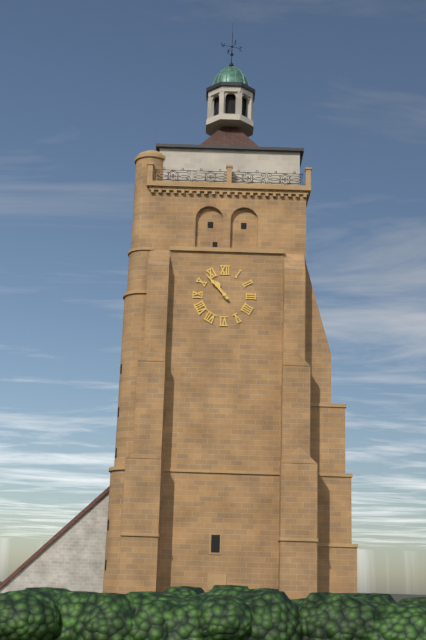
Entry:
10 h 53 min
